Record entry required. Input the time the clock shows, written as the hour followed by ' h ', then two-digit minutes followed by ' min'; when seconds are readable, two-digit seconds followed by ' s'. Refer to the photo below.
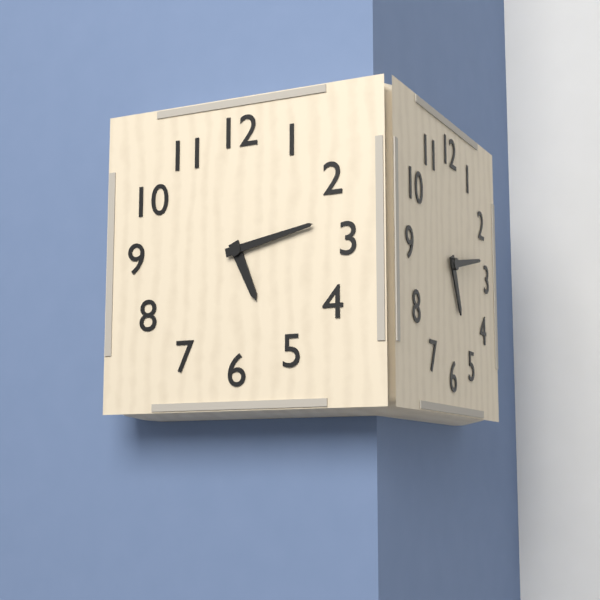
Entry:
5 h 13 min
